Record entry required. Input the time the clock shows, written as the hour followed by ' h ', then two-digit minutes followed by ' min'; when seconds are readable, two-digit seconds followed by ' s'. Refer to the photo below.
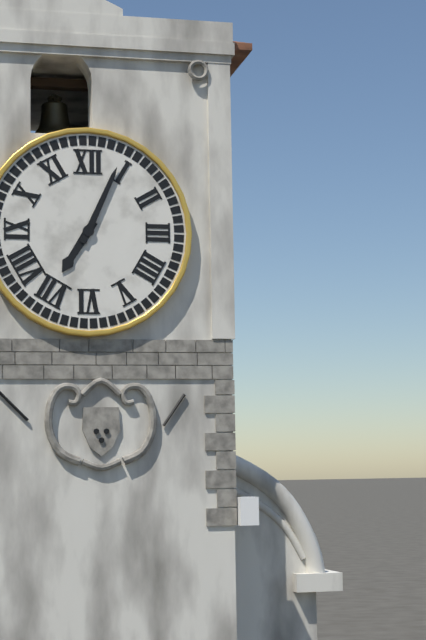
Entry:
7 h 04 min
